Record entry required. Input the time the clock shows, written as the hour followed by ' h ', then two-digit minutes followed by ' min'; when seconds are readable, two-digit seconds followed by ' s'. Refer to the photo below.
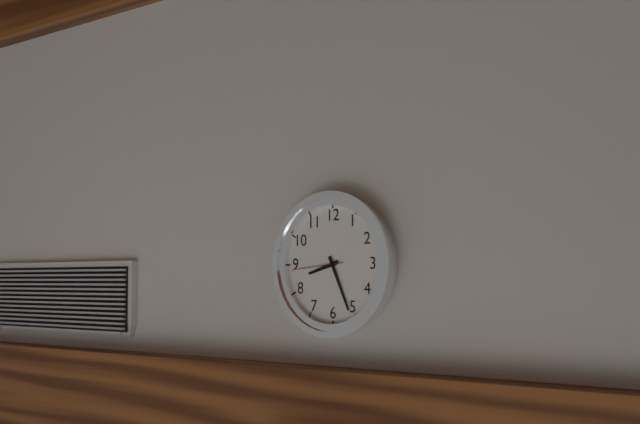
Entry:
8 h 26 min 44 s
